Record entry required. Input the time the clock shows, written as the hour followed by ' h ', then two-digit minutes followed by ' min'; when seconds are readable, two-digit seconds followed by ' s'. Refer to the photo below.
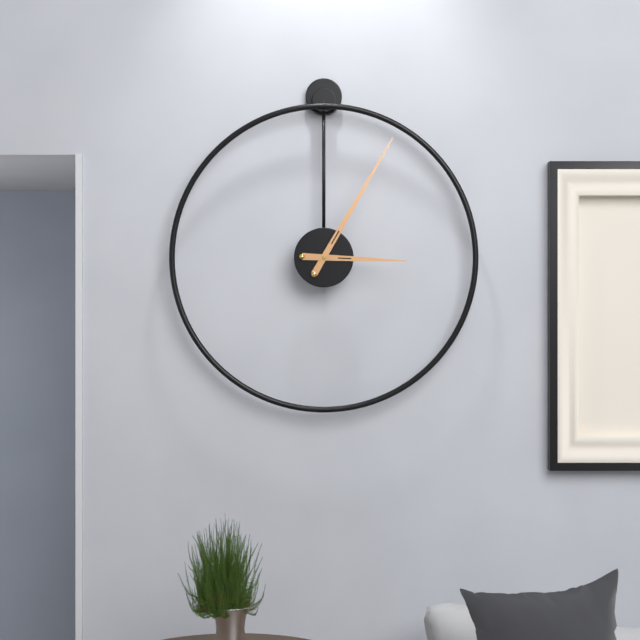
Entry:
3 h 05 min
